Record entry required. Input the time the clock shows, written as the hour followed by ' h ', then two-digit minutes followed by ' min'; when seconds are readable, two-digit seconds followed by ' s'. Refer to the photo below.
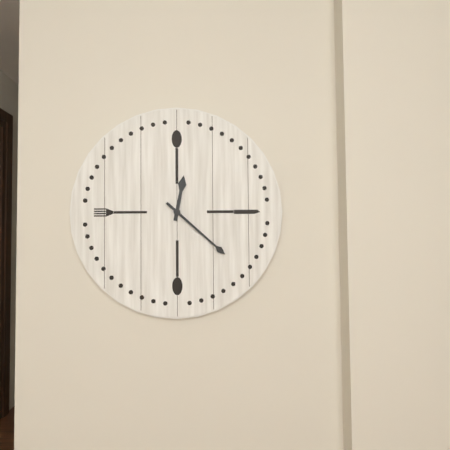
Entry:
12 h 22 min
